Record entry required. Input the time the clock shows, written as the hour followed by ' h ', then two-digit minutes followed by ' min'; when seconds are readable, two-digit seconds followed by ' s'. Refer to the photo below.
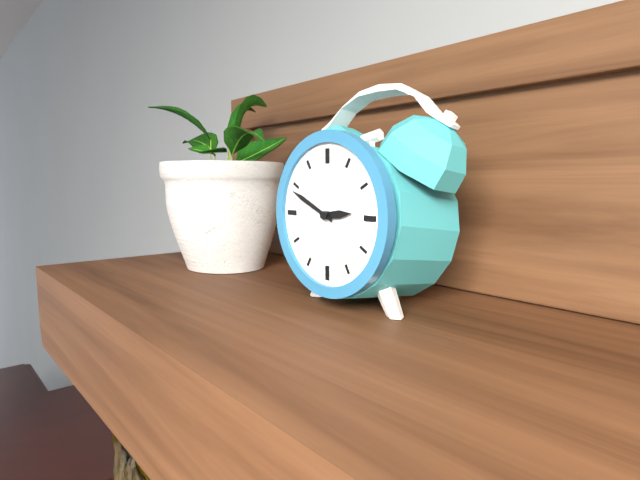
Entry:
2 h 49 min
